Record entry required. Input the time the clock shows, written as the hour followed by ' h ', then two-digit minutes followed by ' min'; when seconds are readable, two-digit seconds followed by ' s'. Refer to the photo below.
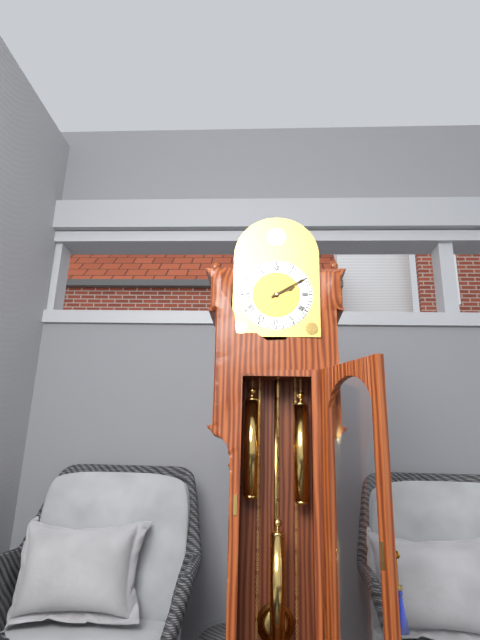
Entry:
2 h 10 min
